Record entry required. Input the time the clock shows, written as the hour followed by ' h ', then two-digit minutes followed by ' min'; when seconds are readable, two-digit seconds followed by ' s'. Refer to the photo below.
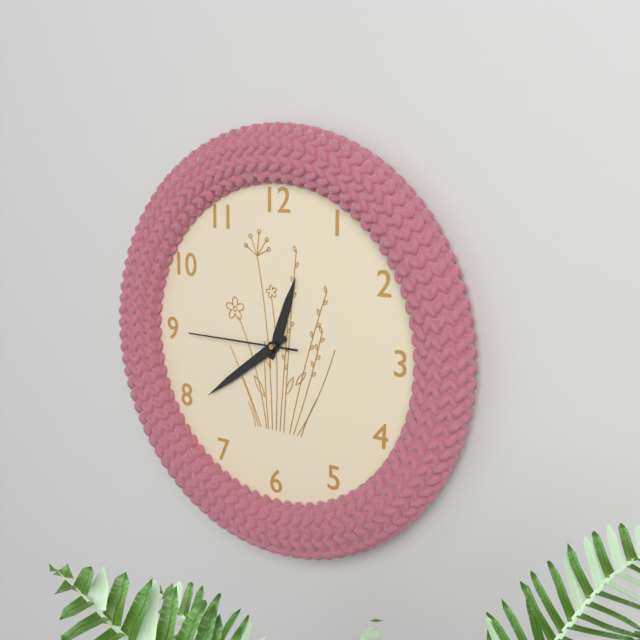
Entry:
12 h 39 min 45 s
